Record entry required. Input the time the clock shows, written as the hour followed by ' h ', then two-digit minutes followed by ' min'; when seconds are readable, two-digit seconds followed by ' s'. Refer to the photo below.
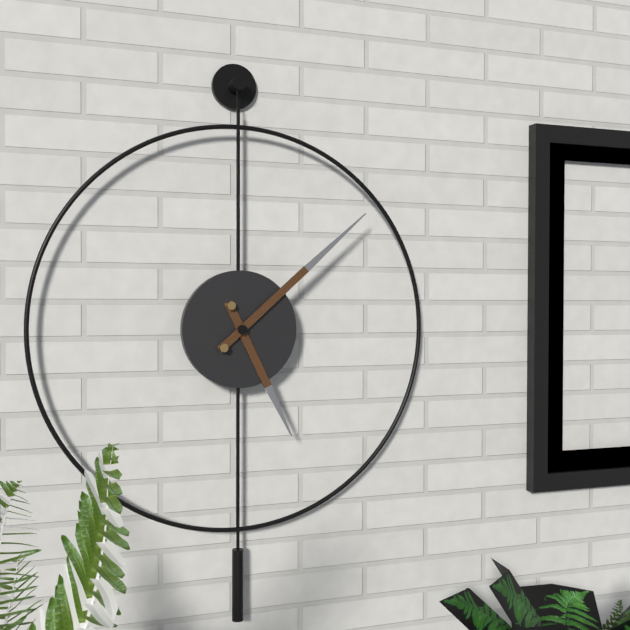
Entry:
5 h 08 min
